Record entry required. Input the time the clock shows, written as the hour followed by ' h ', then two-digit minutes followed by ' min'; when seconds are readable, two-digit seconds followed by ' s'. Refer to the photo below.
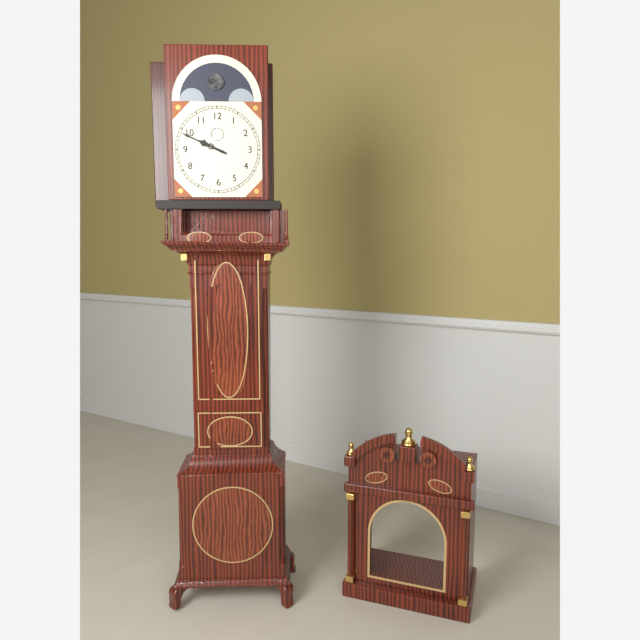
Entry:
9 h 49 min
